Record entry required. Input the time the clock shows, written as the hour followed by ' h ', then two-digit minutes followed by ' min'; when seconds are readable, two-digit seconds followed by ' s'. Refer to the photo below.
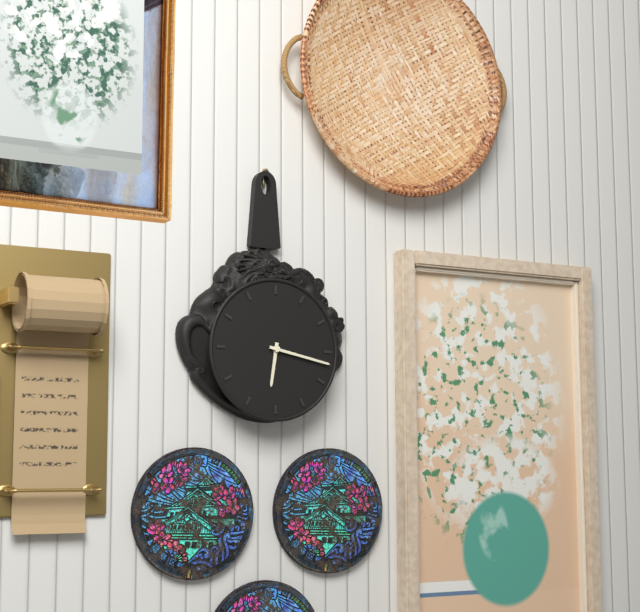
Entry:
6 h 17 min
